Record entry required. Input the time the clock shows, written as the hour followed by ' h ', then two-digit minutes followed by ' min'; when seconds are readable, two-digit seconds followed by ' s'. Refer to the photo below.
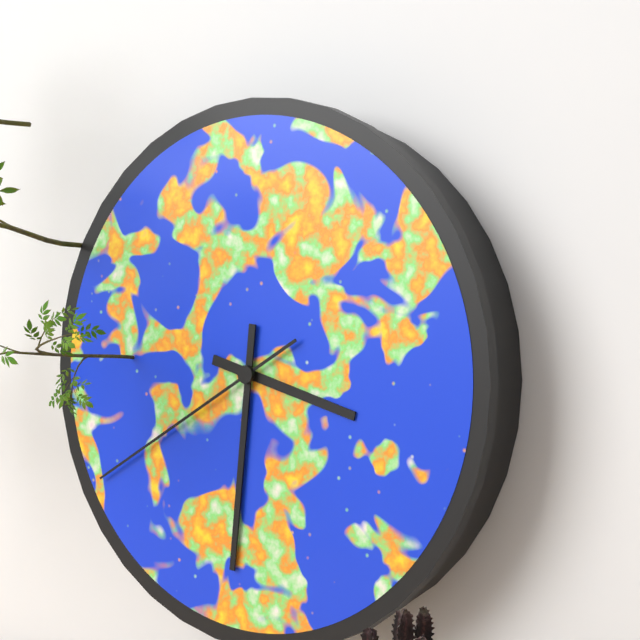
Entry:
3 h 31 min 40 s
